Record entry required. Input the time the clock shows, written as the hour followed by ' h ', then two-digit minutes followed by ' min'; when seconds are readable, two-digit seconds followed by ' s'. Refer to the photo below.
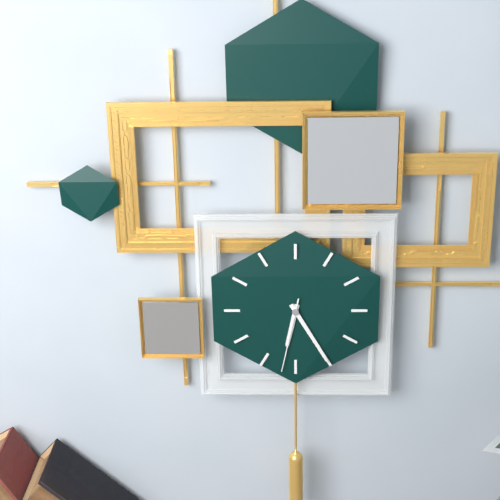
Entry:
6 h 25 min 32 s
